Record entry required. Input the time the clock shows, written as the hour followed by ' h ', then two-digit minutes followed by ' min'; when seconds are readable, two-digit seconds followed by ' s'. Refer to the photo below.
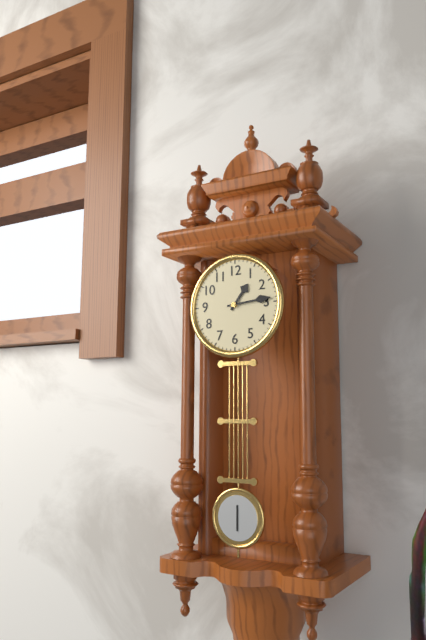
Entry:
1 h 14 min
